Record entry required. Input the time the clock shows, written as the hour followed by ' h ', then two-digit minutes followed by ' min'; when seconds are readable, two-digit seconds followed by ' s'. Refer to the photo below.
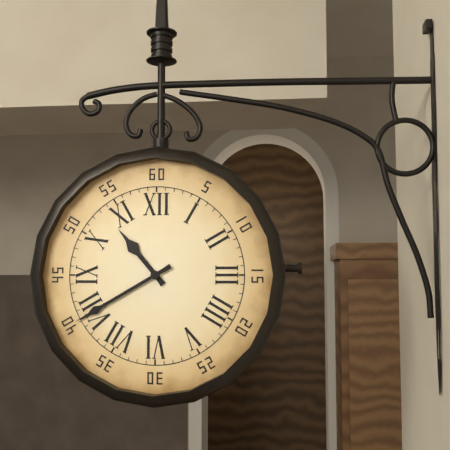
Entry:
10 h 40 min
